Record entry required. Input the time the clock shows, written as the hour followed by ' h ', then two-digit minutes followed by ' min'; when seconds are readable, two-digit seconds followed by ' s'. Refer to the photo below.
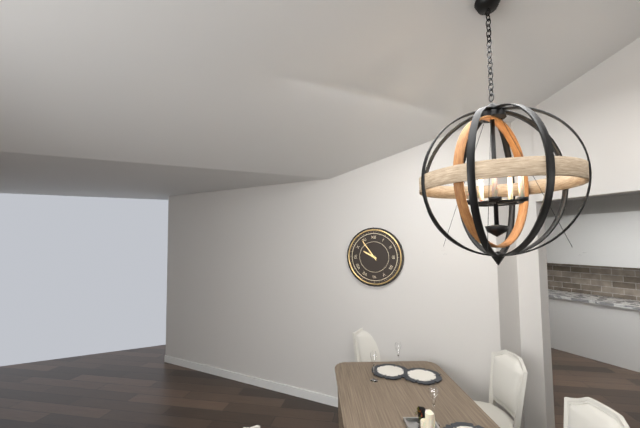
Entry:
9 h 54 min
